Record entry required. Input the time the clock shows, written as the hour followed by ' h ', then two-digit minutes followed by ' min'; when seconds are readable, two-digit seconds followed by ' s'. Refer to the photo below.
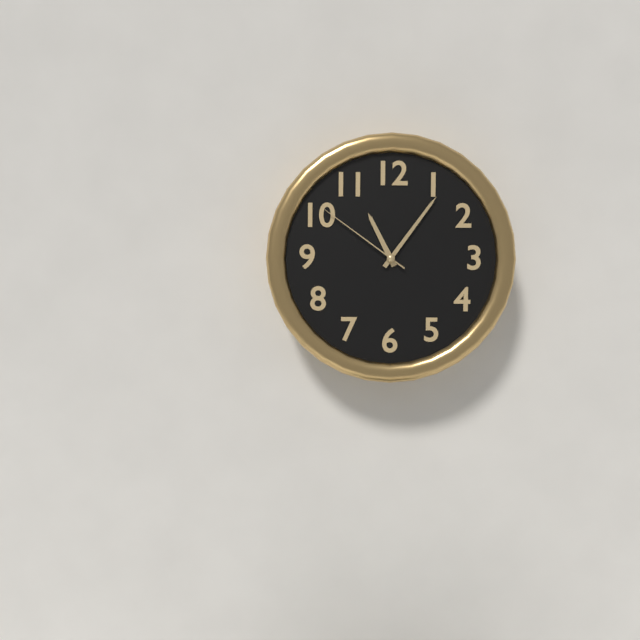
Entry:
11 h 06 min 51 s
